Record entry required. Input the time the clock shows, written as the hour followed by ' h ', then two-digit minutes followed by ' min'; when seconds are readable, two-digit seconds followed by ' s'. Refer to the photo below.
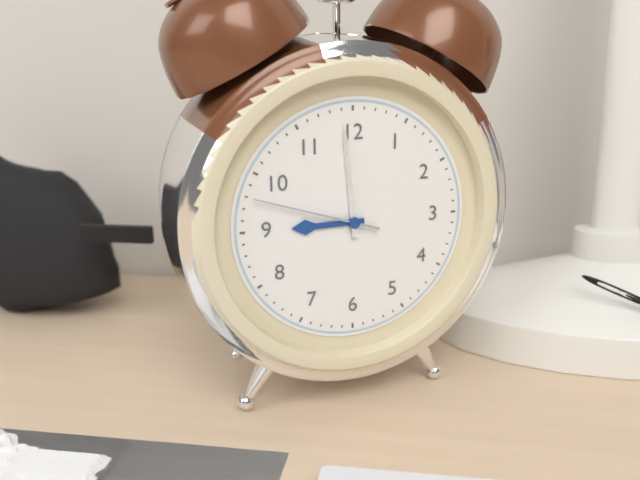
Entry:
8 h 59 min 48 s
